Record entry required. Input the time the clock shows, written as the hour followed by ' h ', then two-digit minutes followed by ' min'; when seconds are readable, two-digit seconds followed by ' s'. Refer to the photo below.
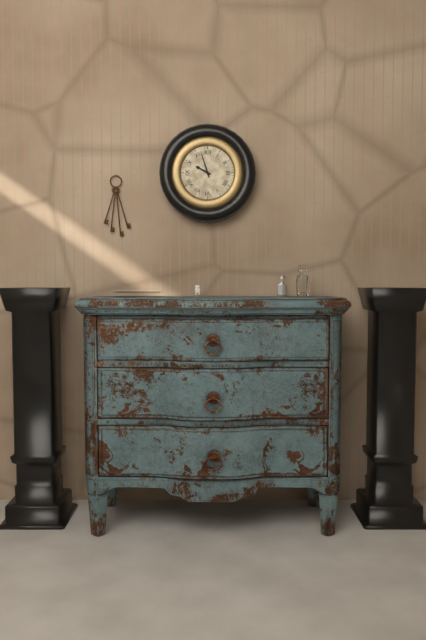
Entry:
9 h 57 min
